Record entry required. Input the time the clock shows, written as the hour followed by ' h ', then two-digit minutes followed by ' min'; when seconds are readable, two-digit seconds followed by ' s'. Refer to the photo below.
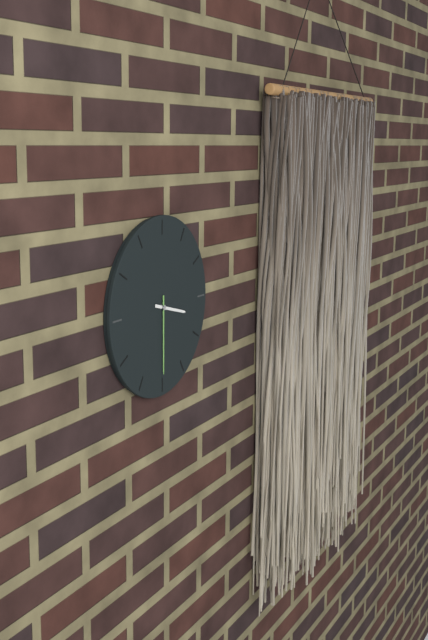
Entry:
3 h 30 min
